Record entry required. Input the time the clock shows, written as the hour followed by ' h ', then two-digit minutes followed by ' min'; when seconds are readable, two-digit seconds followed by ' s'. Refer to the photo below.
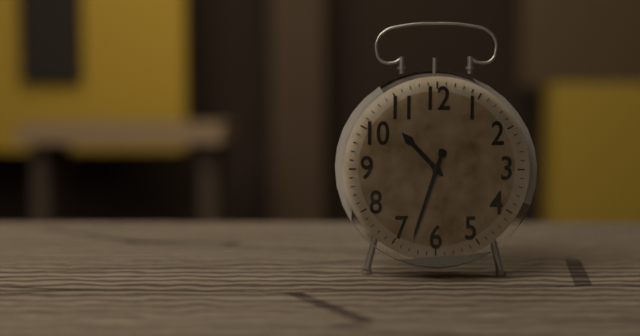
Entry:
10 h 33 min
